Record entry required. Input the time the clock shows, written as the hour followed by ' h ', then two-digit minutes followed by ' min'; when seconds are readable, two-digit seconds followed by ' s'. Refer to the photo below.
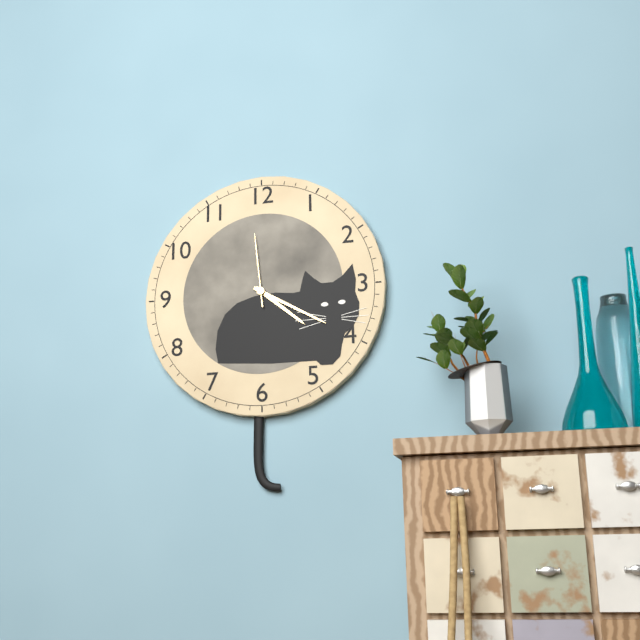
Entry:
4 h 20 min 59 s
